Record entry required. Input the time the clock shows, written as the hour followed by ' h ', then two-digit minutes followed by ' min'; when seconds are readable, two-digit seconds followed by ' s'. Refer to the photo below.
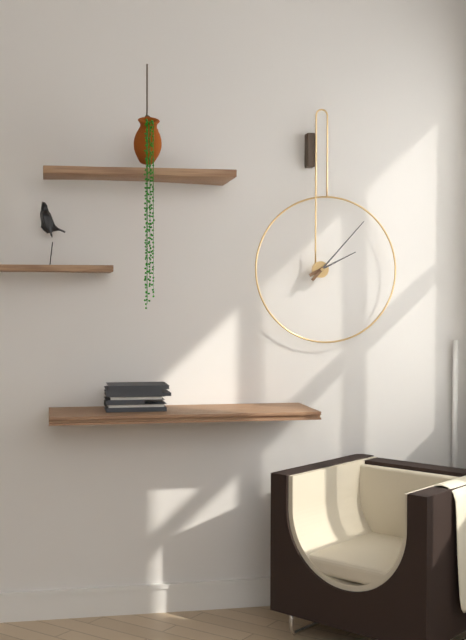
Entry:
2 h 07 min
